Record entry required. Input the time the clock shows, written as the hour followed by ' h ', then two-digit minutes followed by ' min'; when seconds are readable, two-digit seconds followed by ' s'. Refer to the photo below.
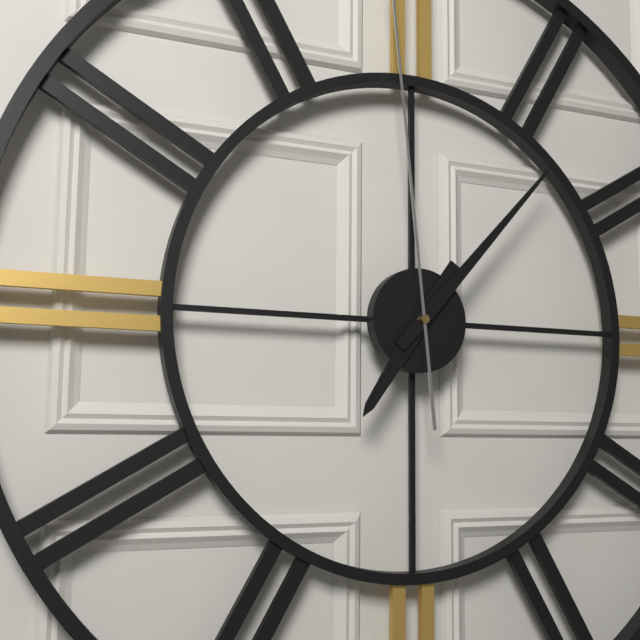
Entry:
7 h 07 min
